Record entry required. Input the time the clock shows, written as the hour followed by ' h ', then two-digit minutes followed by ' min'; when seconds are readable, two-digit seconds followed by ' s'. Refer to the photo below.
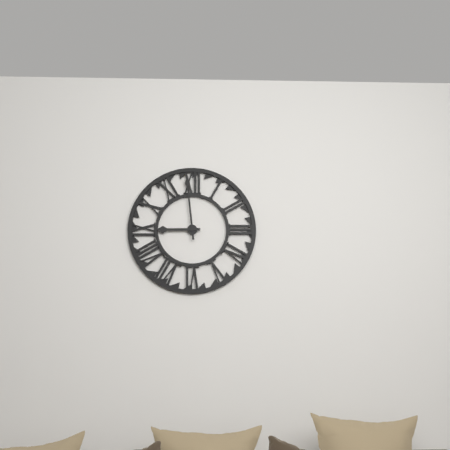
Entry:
8 h 59 min
